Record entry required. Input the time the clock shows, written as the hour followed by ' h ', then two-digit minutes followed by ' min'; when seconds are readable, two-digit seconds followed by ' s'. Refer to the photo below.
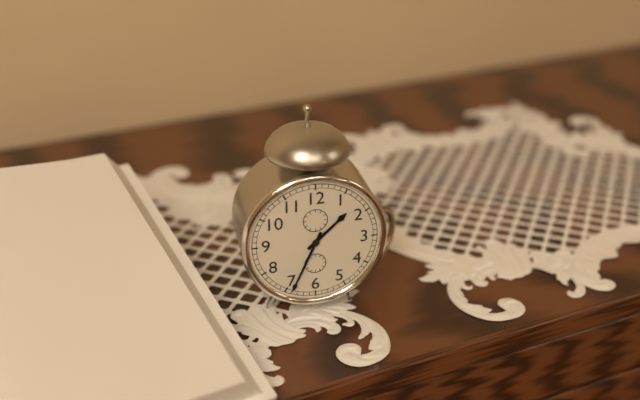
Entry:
1 h 34 min
